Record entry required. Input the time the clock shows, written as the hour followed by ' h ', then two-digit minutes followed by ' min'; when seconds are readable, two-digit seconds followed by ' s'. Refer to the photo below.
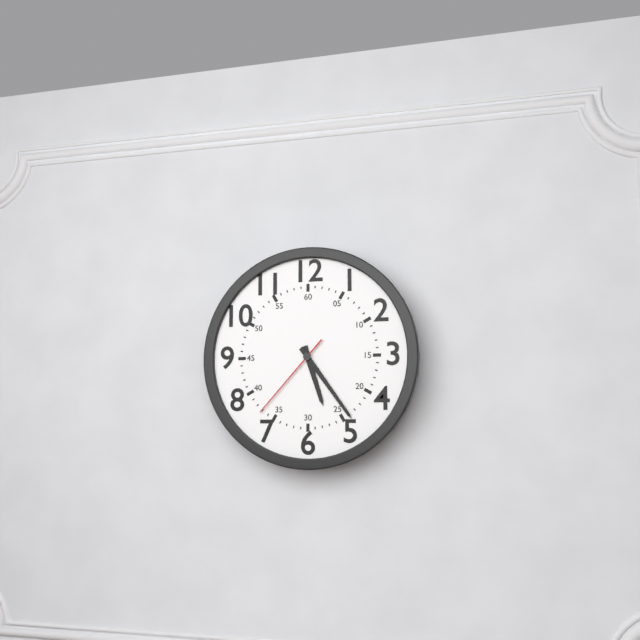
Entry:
5 h 24 min 37 s
